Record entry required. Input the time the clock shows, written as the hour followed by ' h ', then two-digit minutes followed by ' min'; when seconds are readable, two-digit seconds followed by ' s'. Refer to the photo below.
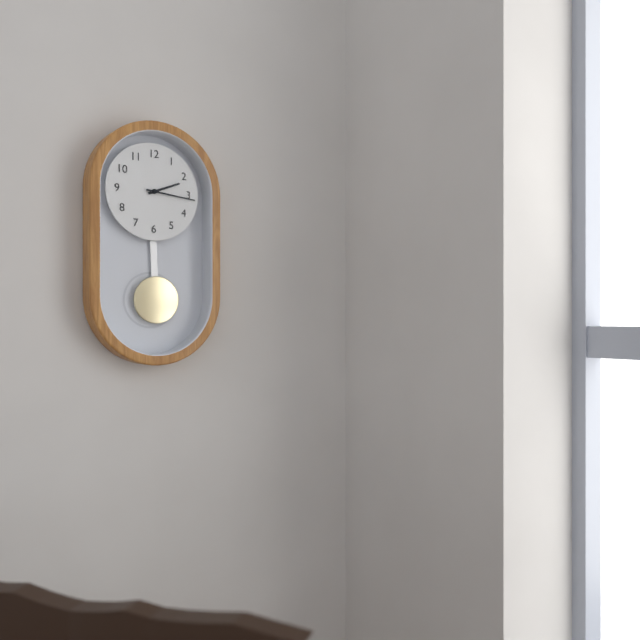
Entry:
2 h 16 min
